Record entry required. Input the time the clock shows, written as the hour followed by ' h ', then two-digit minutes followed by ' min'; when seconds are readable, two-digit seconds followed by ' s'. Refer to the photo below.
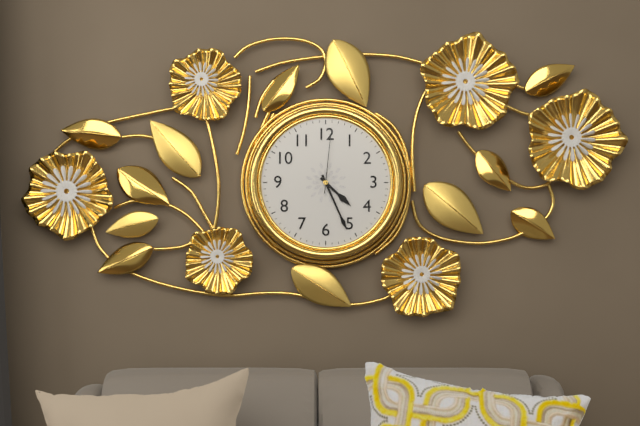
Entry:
4 h 26 min 01 s
